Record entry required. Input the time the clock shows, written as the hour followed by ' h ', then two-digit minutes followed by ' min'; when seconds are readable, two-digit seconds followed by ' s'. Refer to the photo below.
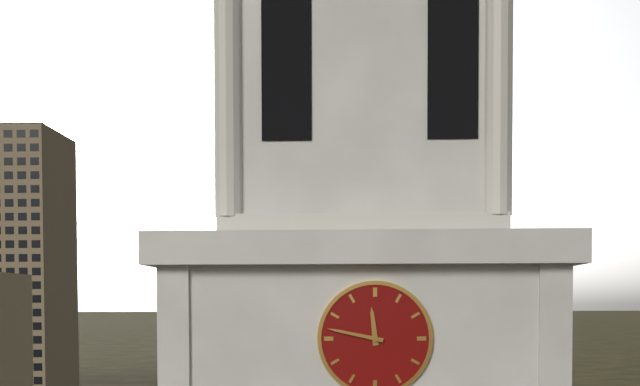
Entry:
11 h 47 min
